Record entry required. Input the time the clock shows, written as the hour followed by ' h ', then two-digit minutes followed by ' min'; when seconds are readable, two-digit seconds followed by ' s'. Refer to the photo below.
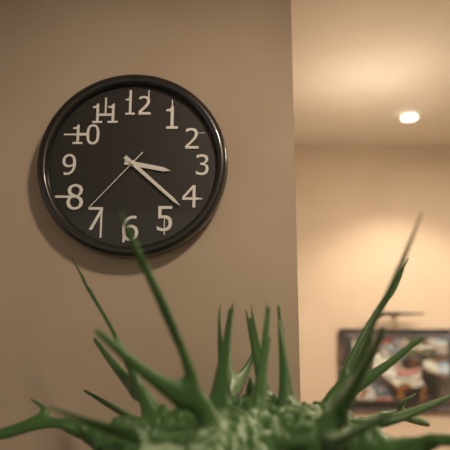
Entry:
3 h 22 min 37 s
